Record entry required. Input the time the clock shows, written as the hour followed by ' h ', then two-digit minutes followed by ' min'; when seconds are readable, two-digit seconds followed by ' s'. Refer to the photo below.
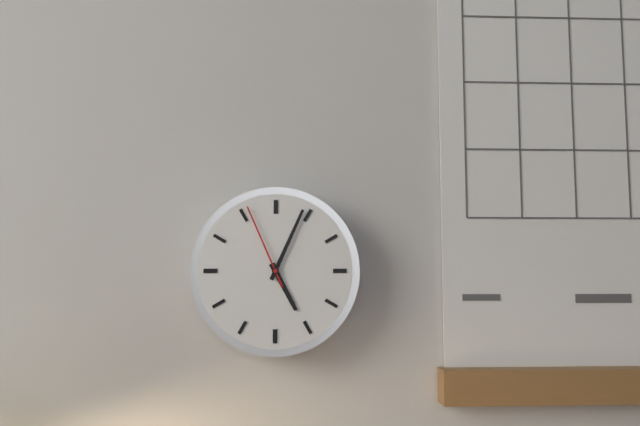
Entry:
5 h 04 min 56 s
